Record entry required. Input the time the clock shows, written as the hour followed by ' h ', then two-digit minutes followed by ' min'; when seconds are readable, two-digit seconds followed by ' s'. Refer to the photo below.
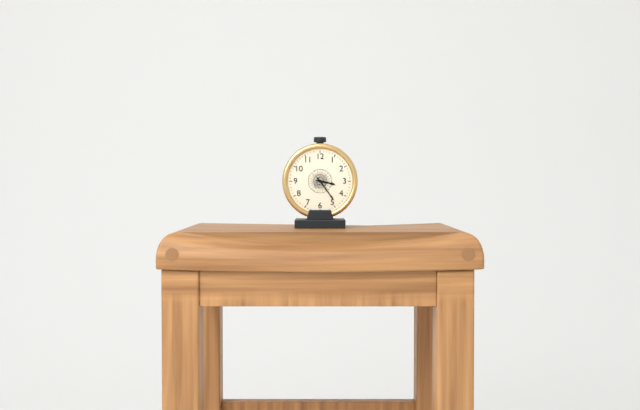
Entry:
3 h 24 min
